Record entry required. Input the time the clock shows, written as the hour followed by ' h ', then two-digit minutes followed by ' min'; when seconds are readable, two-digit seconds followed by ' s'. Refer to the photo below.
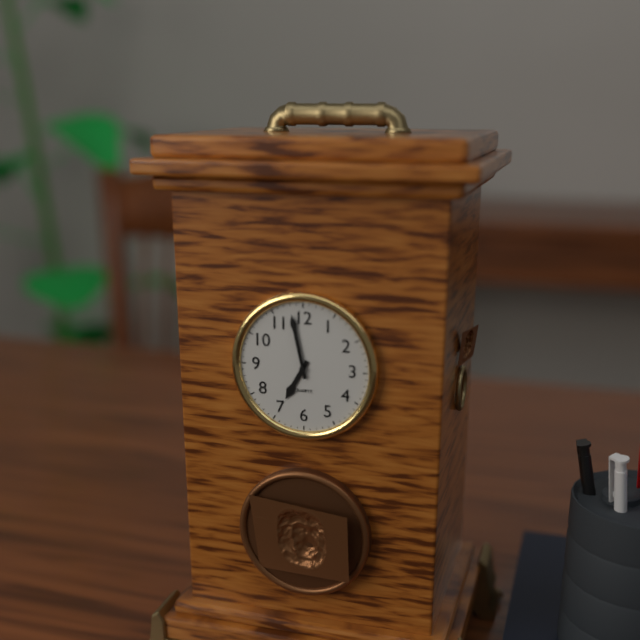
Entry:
6 h 58 min
